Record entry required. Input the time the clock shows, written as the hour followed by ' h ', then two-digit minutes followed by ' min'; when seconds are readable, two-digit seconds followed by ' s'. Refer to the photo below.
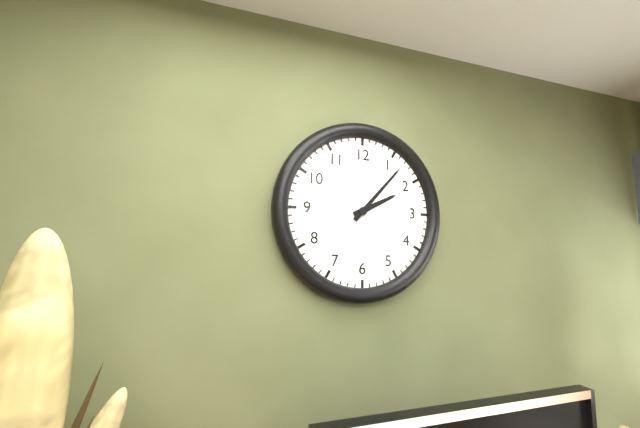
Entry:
2 h 07 min
